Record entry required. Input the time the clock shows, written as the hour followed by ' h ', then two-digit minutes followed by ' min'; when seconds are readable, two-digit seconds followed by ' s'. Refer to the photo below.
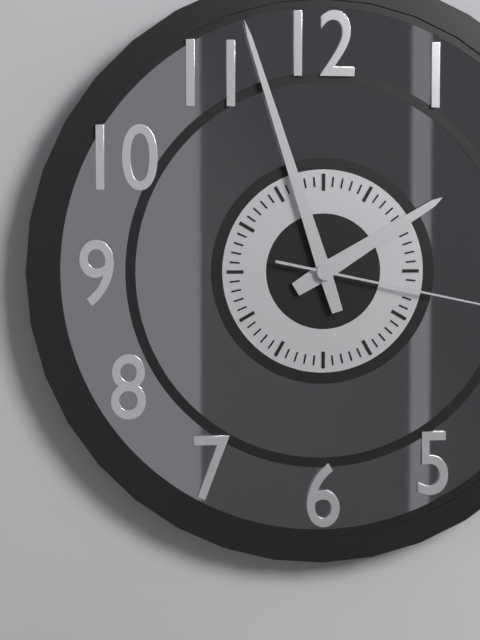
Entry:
1 h 57 min
